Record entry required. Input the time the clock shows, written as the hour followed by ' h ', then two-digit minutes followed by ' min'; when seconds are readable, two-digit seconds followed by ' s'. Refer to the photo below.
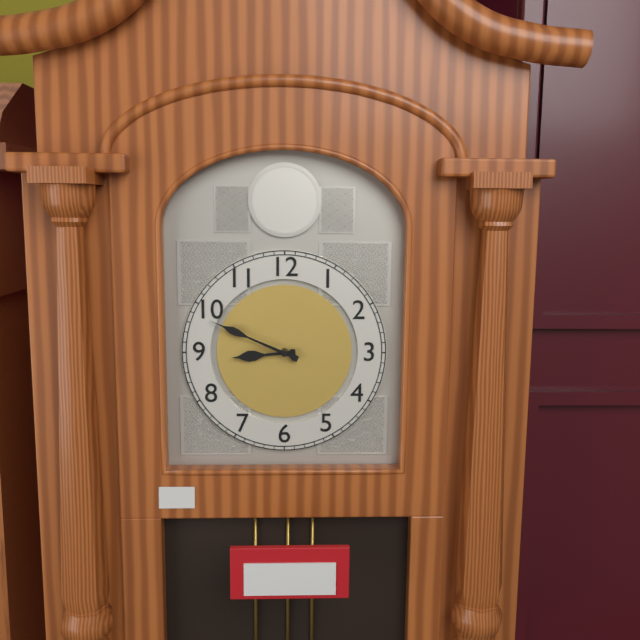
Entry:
8 h 49 min
